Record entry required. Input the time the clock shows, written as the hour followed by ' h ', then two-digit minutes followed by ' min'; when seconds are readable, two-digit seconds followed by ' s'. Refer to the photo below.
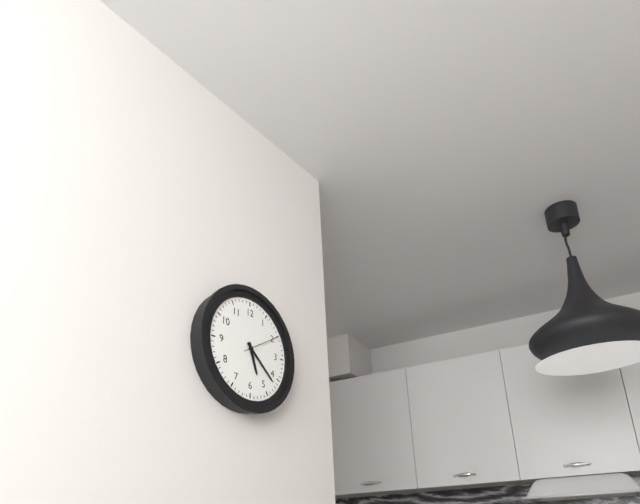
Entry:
5 h 22 min
